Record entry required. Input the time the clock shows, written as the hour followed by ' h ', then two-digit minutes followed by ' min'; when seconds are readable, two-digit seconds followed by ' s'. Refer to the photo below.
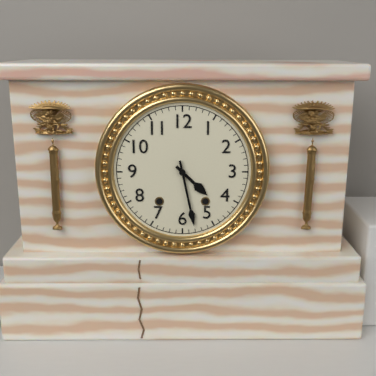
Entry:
4 h 28 min
